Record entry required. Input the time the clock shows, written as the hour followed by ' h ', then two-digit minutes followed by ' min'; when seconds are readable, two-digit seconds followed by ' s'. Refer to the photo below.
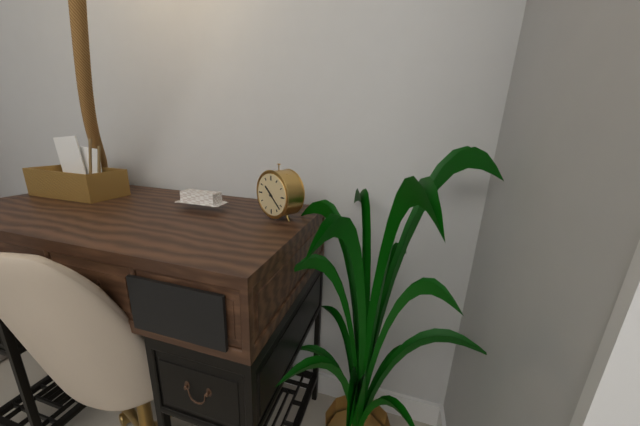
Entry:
10 h 22 min
